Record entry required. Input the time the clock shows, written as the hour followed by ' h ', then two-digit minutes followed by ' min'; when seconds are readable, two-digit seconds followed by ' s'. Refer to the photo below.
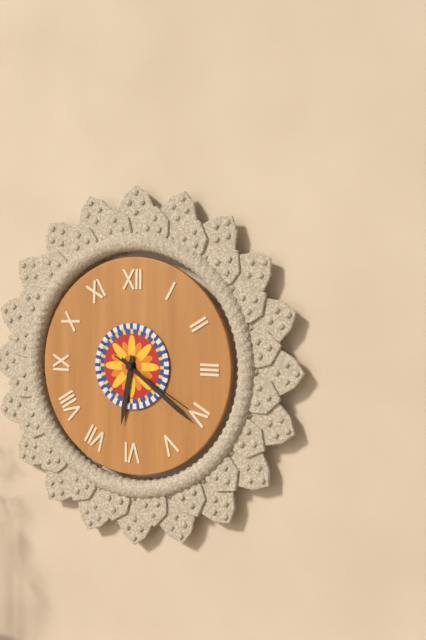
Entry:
6 h 21 min 20 s
